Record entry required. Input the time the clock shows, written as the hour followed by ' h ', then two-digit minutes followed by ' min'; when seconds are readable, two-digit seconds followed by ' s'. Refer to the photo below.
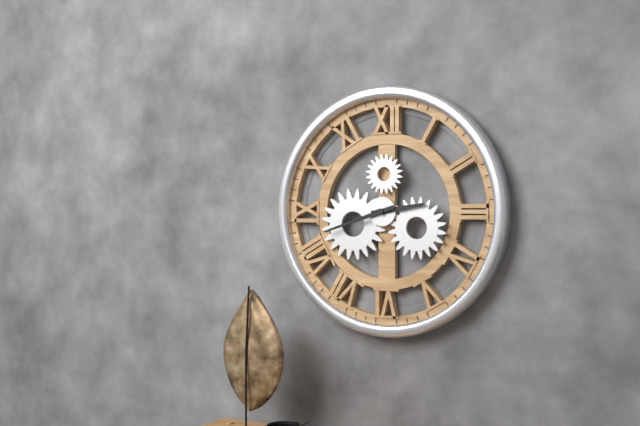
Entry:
2 h 42 min
